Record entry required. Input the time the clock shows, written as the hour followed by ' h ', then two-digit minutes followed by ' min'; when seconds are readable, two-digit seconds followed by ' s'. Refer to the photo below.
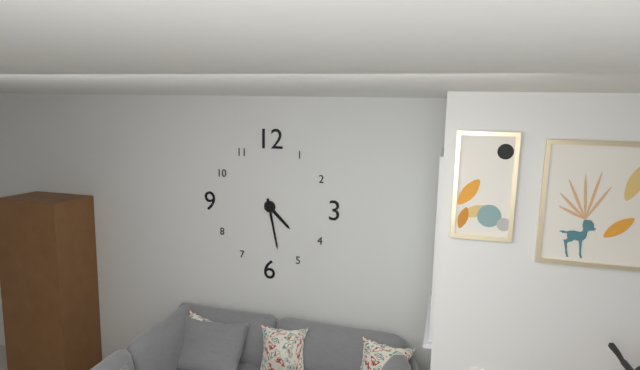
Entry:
4 h 28 min
